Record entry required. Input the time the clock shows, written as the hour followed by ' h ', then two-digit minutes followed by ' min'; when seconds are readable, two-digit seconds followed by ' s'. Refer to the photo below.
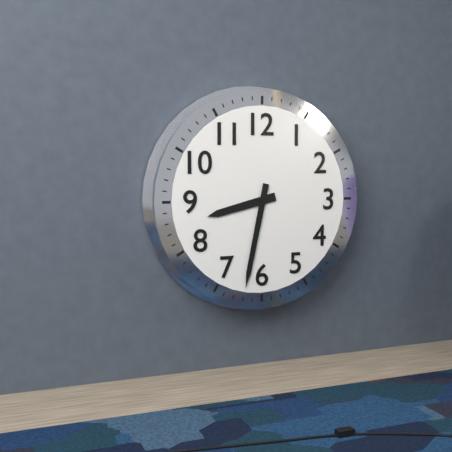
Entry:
8 h 32 min
